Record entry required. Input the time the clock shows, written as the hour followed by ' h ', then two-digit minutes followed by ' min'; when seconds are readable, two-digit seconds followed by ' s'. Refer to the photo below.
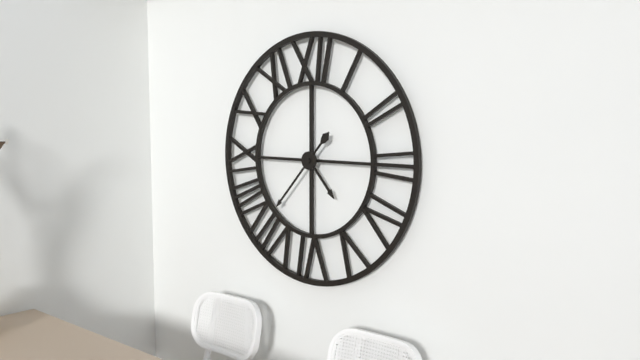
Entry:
4 h 37 min
